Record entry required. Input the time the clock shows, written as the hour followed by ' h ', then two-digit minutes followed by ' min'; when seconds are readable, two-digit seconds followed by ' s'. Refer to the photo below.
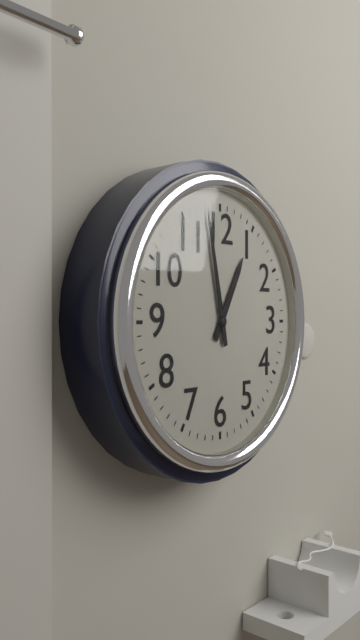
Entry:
12 h 58 min
